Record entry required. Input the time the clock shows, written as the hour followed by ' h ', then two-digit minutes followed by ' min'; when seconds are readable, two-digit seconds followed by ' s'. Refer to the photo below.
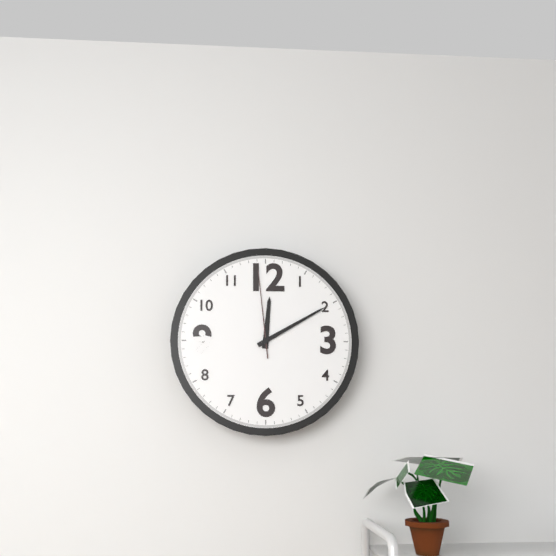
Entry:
12 h 10 min 59 s
